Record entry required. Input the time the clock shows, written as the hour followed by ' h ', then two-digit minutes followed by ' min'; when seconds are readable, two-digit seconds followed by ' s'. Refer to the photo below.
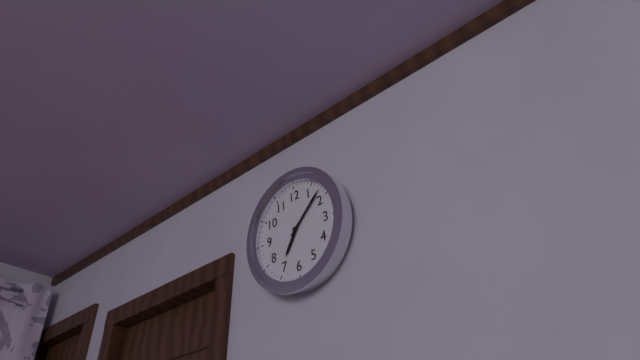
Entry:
7 h 08 min
